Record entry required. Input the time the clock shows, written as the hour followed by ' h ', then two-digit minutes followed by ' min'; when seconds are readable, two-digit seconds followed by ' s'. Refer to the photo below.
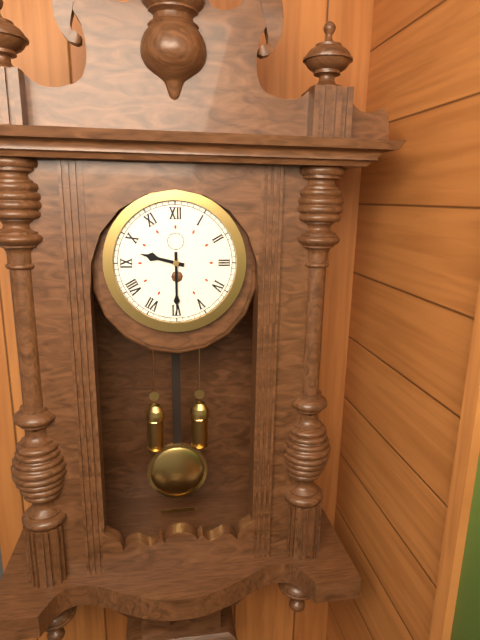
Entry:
9 h 30 min
